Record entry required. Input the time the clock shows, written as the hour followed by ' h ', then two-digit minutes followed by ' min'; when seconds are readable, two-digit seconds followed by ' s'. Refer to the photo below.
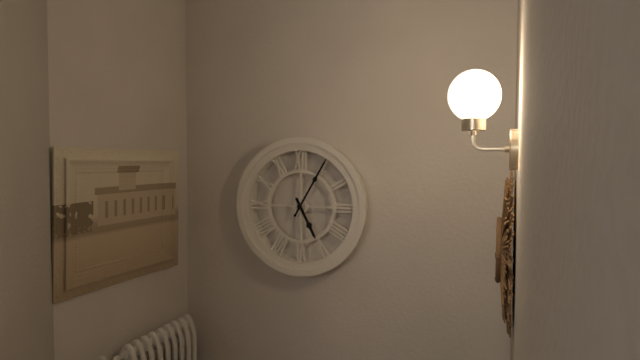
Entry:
5 h 05 min
